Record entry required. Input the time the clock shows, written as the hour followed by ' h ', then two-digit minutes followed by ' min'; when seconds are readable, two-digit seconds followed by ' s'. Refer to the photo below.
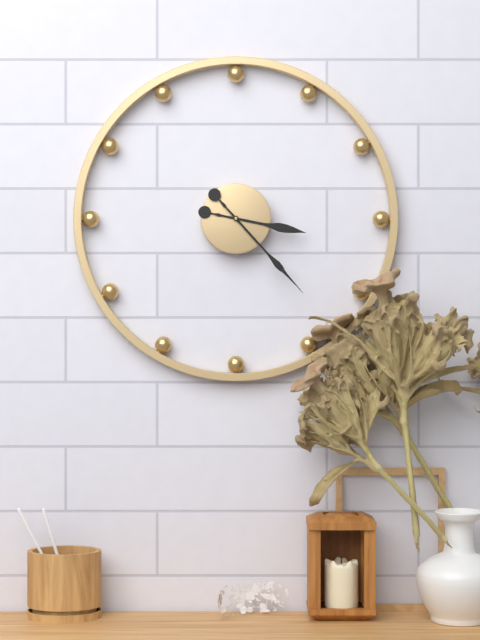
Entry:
3 h 23 min
